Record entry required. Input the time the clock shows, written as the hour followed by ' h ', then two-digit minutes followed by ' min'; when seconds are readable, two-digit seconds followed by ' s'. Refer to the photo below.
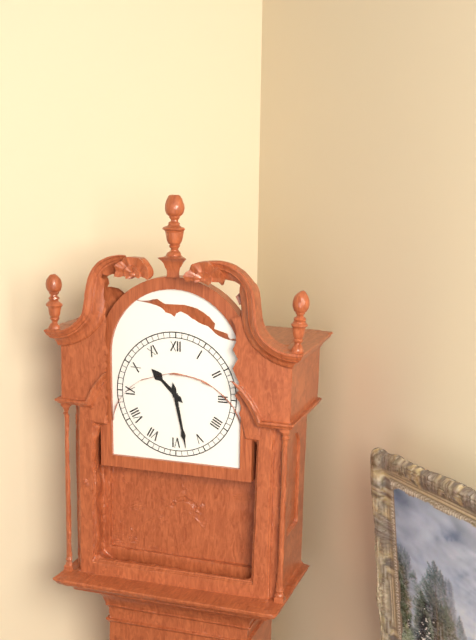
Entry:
10 h 28 min
